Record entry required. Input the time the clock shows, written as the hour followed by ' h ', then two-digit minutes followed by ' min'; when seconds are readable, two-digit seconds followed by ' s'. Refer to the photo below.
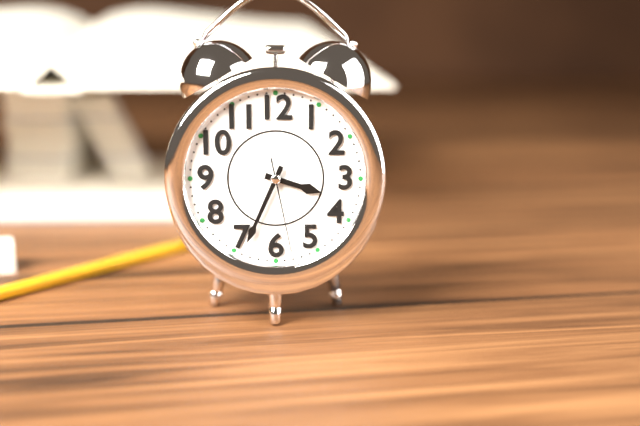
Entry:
3 h 34 min 28 s
